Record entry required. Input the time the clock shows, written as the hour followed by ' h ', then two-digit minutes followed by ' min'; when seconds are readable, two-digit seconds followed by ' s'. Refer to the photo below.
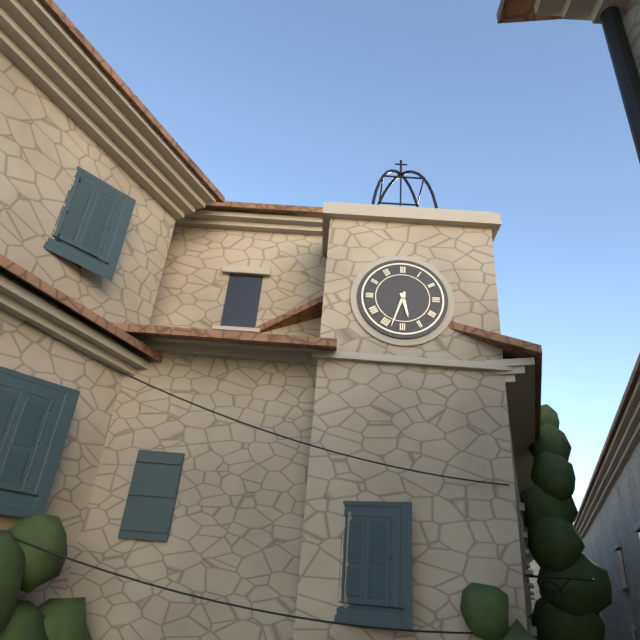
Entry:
5 h 33 min
